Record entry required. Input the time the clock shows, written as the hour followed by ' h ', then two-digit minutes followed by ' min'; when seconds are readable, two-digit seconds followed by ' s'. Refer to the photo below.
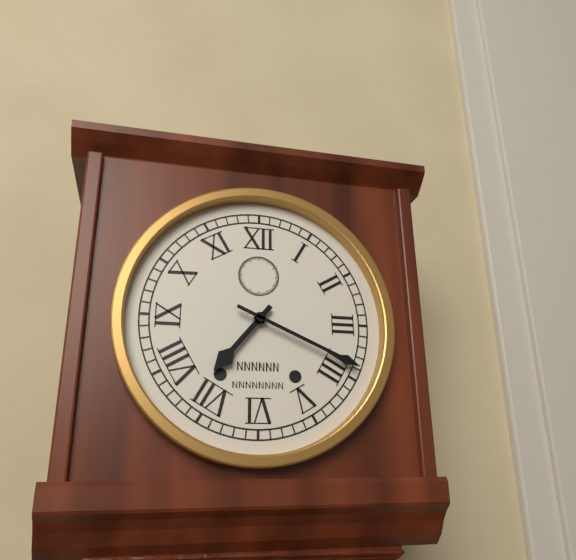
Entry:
7 h 19 min
